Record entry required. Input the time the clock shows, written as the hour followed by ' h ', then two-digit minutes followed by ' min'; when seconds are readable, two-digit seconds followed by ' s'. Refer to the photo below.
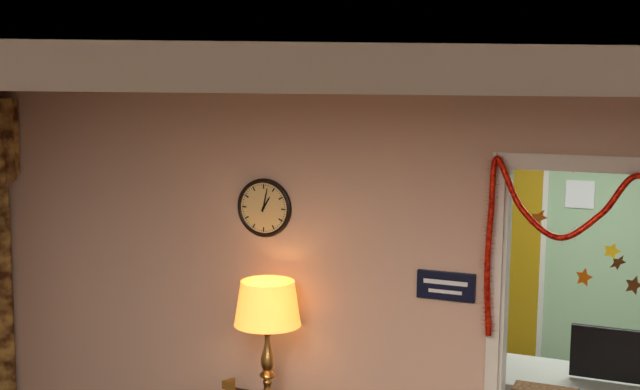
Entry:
1 h 02 min
